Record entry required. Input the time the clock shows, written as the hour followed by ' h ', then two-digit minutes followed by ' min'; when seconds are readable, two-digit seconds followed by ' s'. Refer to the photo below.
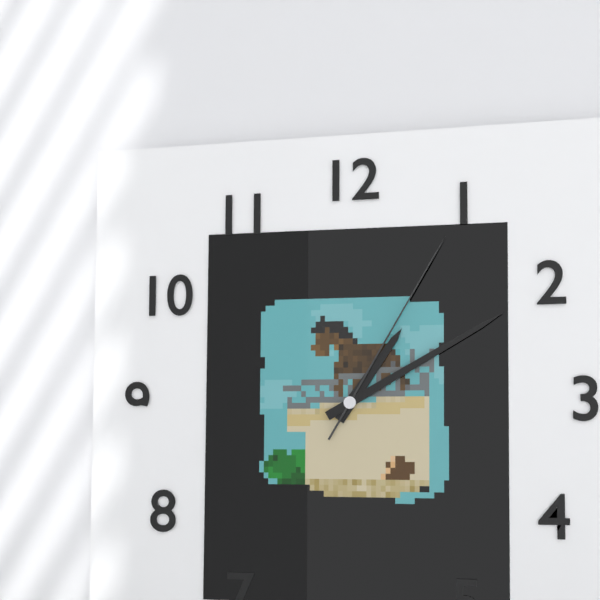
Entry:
1 h 10 min 05 s
